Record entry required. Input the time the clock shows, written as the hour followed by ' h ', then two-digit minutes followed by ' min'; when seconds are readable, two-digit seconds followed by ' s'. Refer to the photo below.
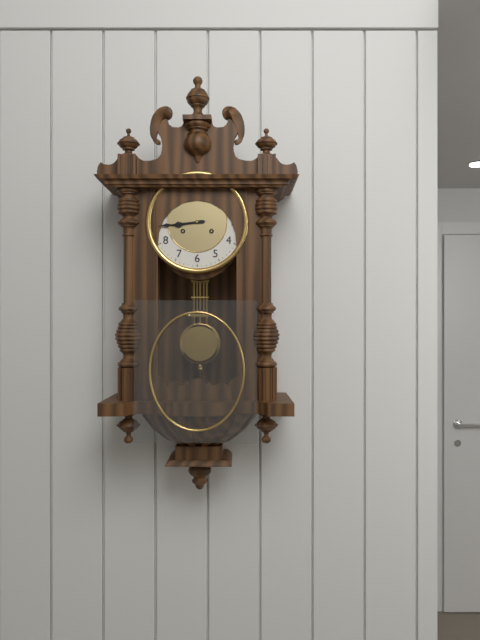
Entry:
8 h 44 min
